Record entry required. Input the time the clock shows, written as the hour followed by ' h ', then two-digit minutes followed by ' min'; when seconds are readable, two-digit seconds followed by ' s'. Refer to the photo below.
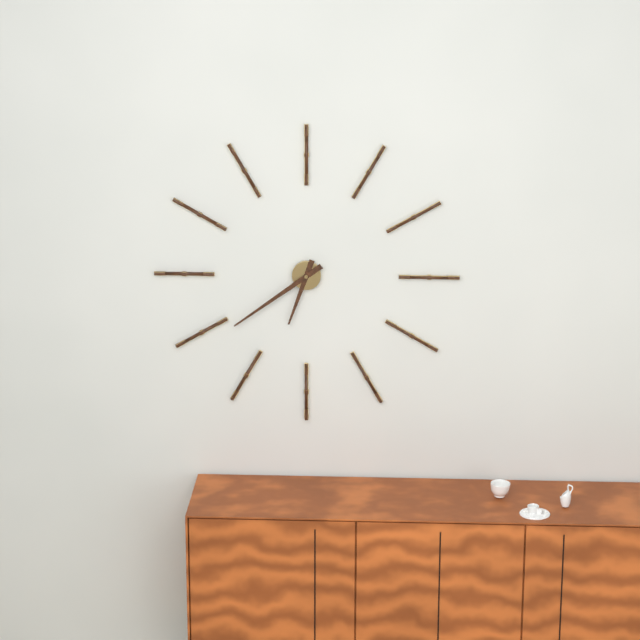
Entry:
6 h 39 min
